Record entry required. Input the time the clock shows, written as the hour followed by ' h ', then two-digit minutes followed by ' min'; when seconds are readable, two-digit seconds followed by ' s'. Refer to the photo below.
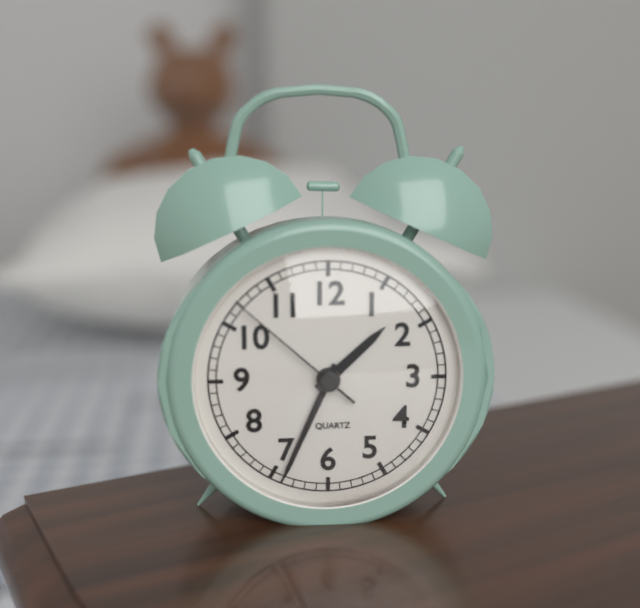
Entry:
1 h 34 min 52 s
